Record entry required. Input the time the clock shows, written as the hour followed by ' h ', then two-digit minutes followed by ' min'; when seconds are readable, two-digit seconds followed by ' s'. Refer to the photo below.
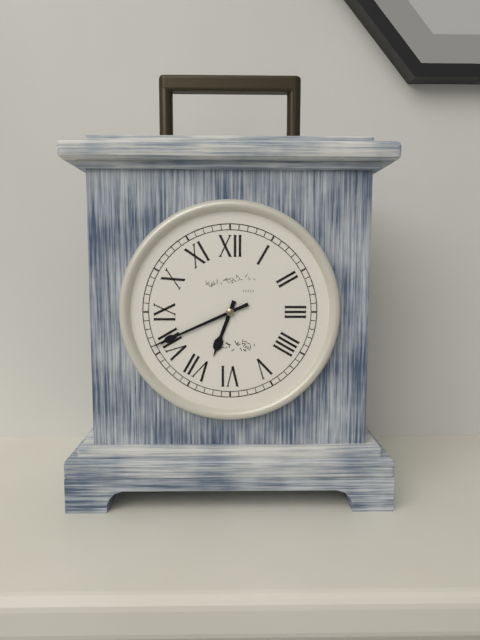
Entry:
6 h 41 min
